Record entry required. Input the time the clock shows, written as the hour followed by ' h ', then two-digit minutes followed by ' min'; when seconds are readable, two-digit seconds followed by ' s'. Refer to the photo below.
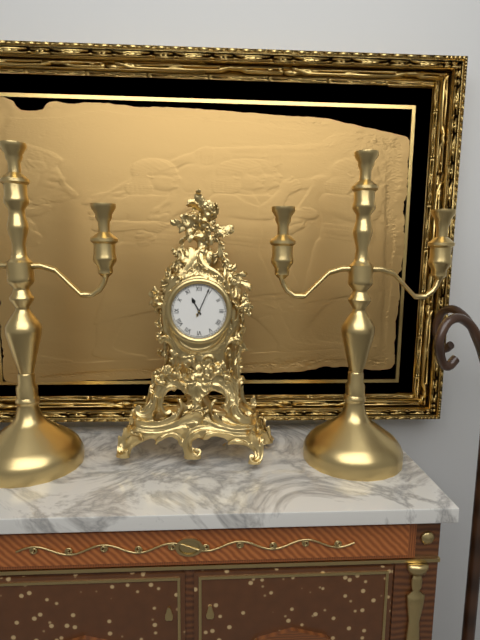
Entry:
11 h 04 min
